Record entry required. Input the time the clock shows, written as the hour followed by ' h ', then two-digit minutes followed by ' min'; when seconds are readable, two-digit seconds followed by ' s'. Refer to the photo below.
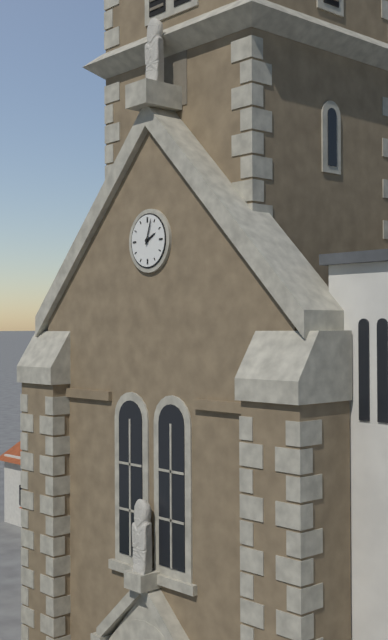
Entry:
2 h 03 min
